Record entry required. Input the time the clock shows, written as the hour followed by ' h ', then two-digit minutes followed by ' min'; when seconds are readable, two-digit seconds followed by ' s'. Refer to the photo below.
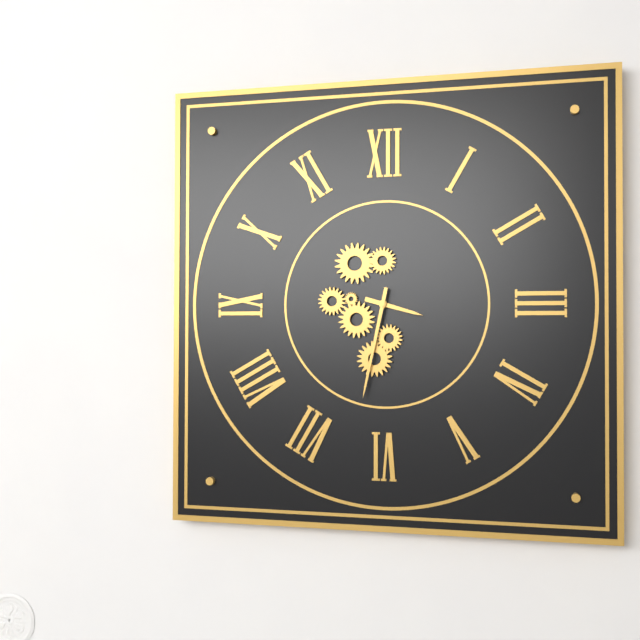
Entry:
3 h 32 min
